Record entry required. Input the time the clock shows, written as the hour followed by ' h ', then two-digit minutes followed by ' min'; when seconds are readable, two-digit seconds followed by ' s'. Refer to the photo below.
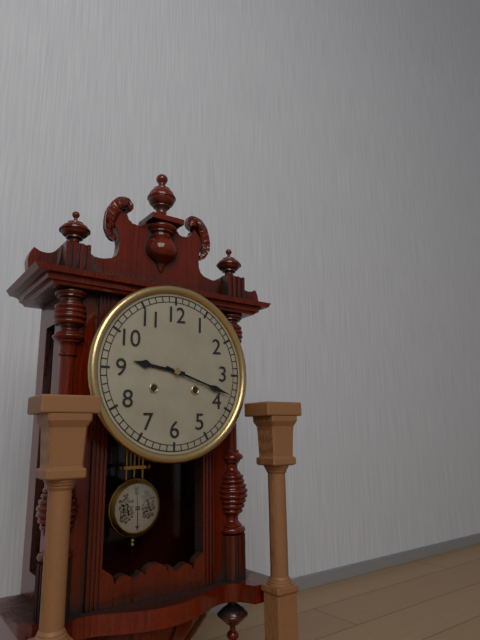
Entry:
9 h 18 min
